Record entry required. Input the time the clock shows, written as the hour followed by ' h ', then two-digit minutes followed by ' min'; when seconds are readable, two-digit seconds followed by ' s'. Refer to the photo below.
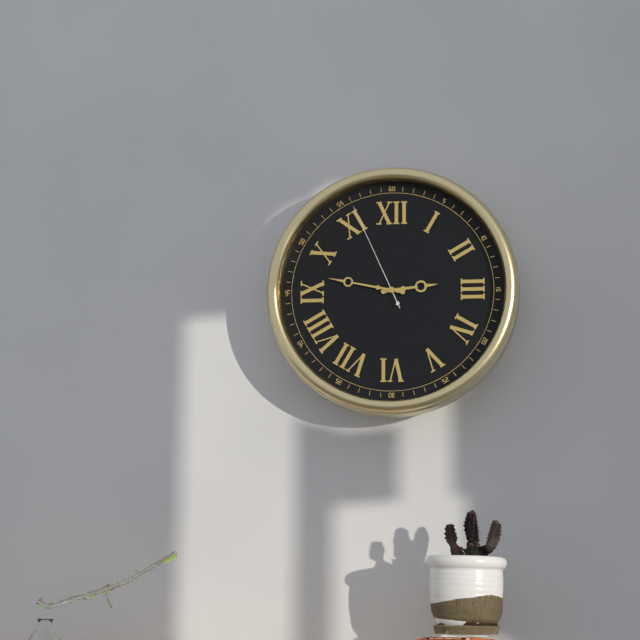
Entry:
2 h 47 min 56 s
